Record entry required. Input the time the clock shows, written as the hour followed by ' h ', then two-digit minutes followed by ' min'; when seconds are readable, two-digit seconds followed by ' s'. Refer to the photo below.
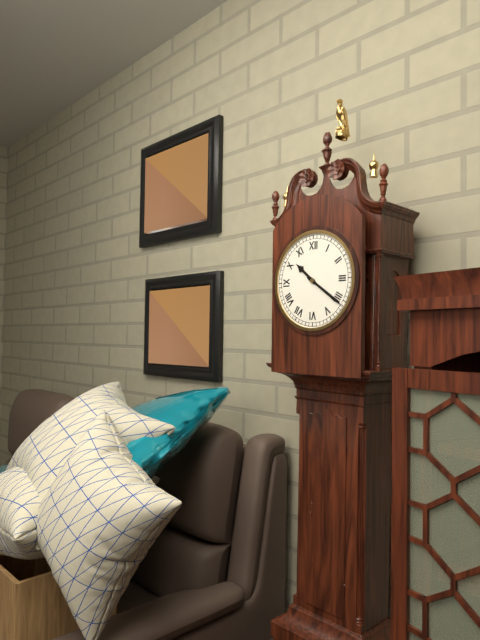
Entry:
10 h 21 min
